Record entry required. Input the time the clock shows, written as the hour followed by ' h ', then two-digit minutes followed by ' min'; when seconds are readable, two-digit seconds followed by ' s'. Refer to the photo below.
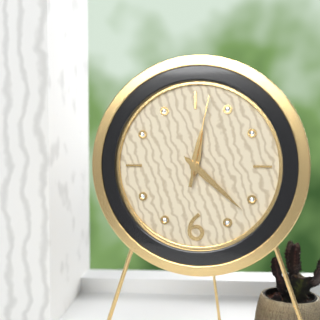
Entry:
12 h 22 min 02 s
